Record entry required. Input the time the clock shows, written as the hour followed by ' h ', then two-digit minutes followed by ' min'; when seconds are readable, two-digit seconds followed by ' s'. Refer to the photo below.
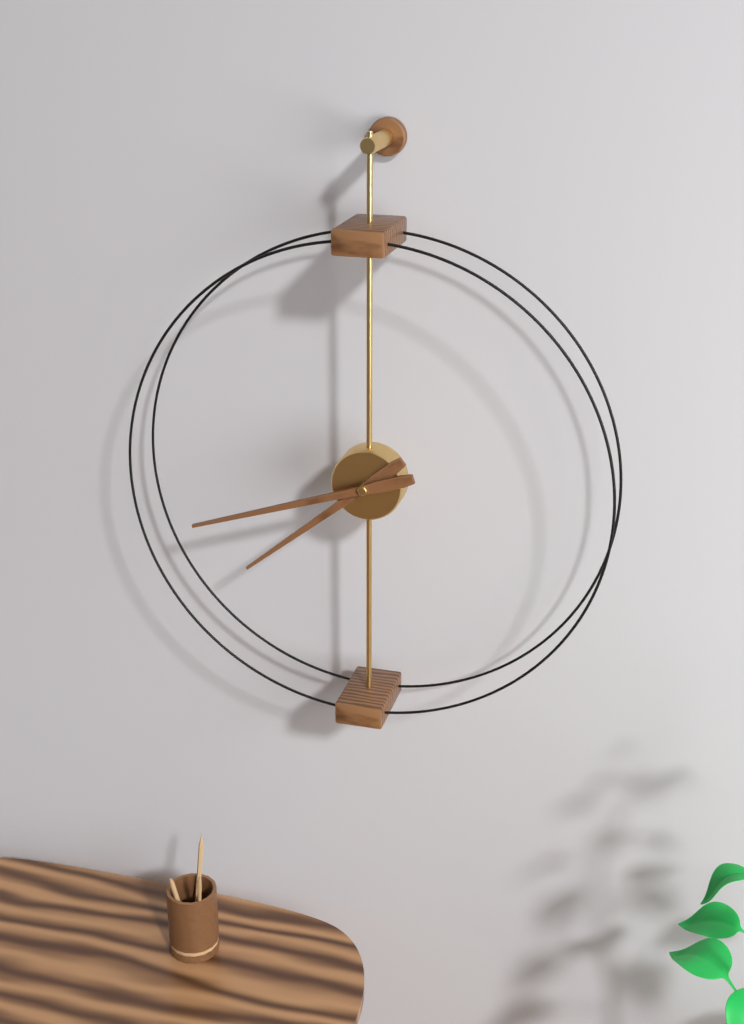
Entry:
7 h 42 min
